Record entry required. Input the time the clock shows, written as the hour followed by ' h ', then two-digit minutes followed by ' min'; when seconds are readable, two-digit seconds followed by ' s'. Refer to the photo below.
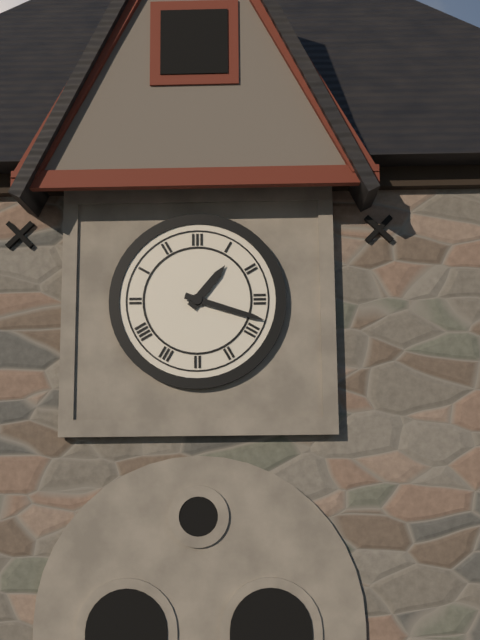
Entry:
1 h 18 min
